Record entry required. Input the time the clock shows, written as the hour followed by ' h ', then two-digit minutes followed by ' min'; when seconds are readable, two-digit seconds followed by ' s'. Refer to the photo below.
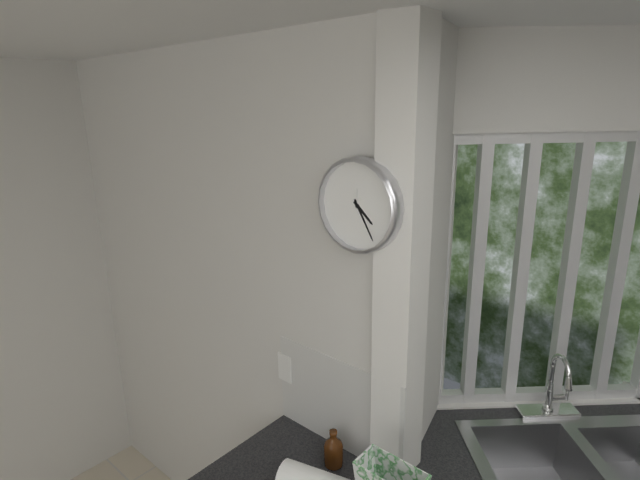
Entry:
4 h 25 min
